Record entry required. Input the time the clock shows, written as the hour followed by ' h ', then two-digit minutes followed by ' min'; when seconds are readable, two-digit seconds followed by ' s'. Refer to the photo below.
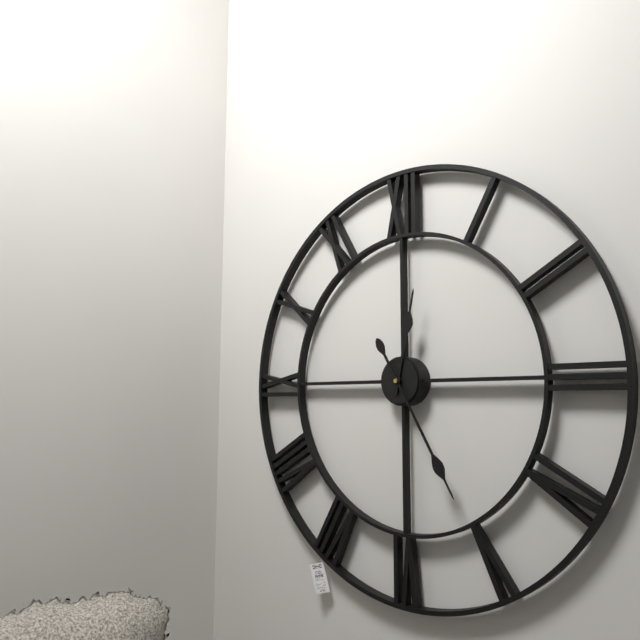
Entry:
12 h 25 min
